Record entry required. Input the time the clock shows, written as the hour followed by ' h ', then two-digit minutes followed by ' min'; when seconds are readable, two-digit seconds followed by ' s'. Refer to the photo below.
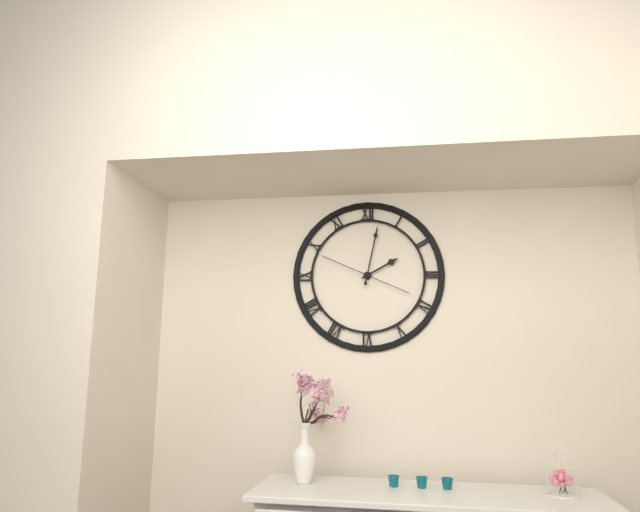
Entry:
2 h 02 min 49 s
